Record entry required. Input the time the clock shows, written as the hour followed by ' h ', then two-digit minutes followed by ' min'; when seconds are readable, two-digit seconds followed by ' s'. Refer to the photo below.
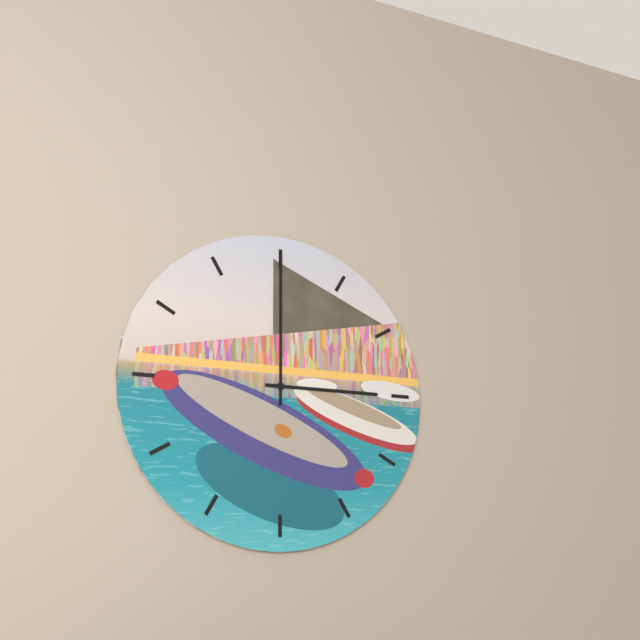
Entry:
3 h 00 min
